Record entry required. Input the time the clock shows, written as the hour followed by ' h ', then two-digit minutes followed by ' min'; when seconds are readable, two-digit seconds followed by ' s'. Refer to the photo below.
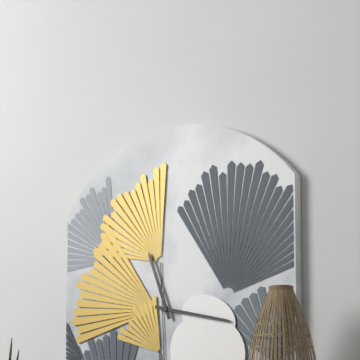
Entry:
11 h 17 min
